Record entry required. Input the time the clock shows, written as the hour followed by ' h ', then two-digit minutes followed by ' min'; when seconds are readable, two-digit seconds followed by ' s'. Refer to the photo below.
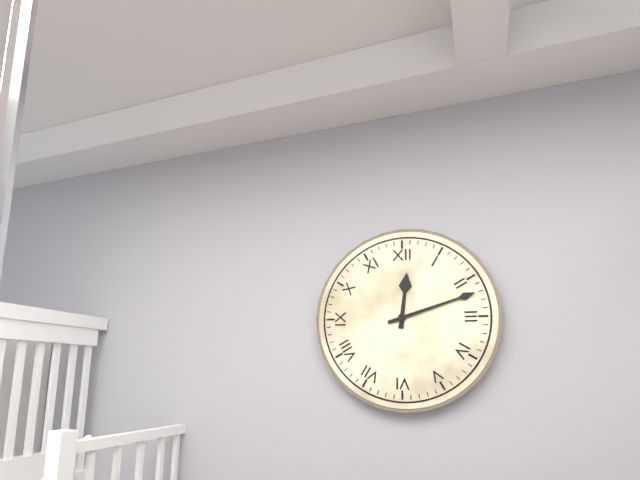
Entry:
12 h 12 min
